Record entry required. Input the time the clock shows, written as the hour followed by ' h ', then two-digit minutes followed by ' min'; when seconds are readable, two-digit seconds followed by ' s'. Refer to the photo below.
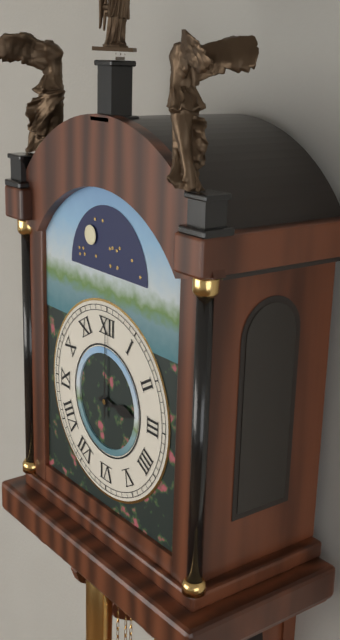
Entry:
3 h 00 min
